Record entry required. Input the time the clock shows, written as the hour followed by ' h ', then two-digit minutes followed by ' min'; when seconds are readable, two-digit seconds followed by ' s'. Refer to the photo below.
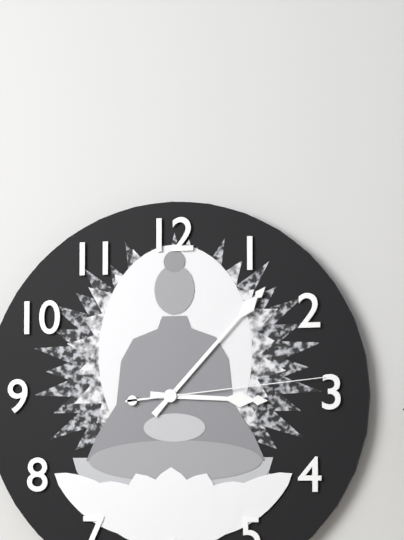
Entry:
3 h 07 min 14 s
